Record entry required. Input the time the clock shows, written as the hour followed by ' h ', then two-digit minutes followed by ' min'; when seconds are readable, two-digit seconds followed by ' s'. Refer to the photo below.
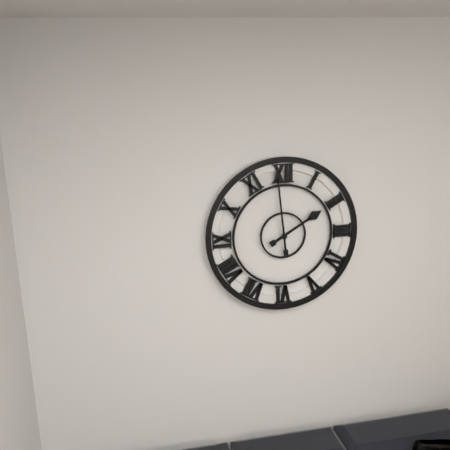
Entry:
1 h 59 min
